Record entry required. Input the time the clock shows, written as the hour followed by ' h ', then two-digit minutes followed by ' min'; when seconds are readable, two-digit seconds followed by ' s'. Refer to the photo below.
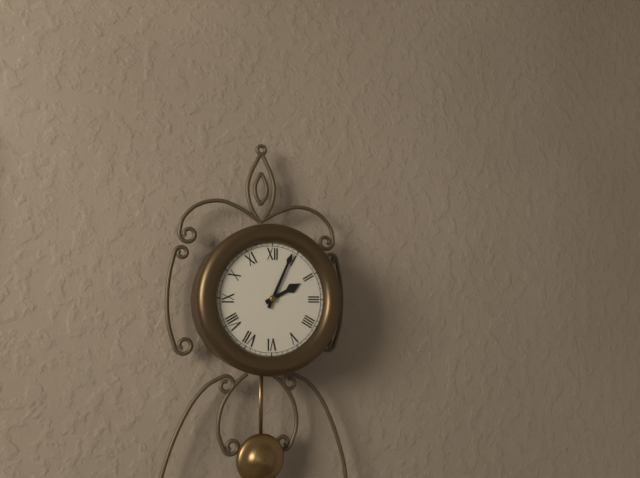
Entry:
2 h 04 min
